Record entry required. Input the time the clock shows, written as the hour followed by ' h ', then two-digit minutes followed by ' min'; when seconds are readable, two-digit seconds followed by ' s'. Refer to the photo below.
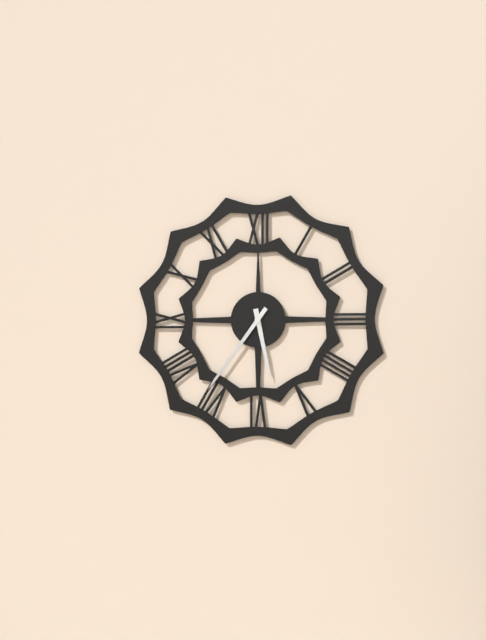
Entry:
5 h 36 min
